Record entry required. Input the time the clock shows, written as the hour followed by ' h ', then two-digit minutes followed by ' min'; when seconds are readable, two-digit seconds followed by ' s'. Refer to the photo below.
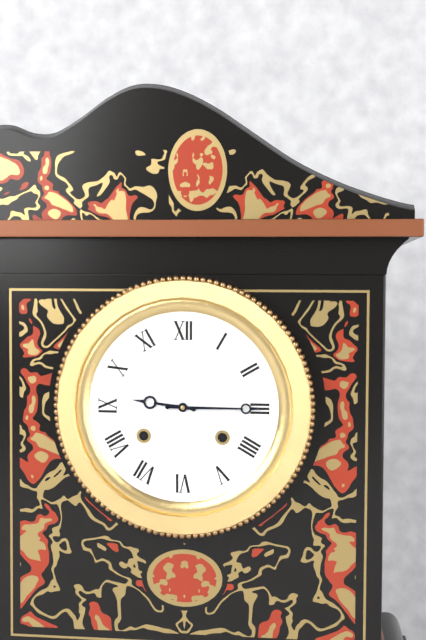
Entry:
9 h 15 min
